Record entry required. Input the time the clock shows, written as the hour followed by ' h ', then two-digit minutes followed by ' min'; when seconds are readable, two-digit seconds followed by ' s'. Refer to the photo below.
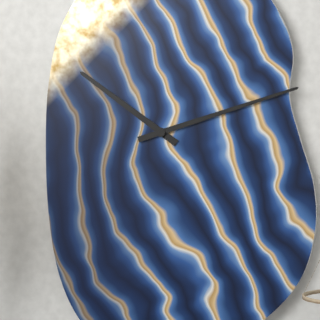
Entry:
10 h 12 min
